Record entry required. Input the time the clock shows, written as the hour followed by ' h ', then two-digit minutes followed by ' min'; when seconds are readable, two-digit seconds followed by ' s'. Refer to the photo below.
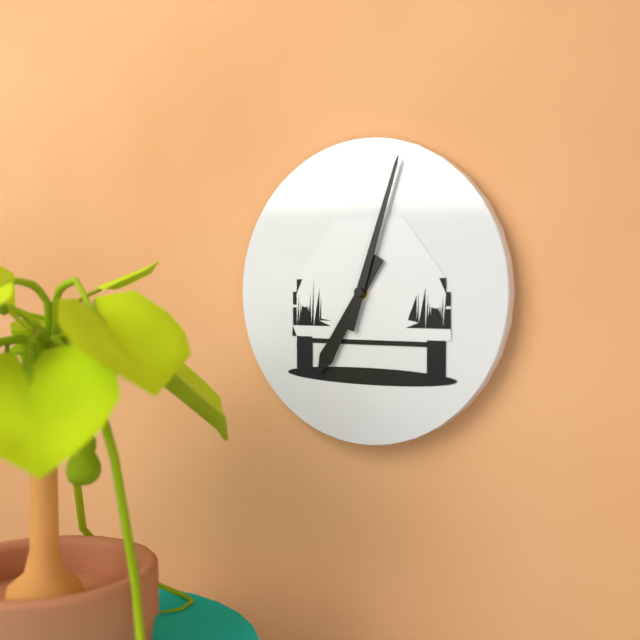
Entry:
7 h 03 min
